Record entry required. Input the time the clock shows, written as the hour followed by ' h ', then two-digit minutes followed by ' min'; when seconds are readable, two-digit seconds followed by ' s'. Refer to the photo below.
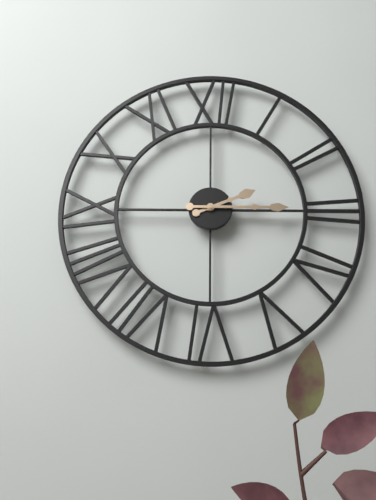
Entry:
2 h 15 min
